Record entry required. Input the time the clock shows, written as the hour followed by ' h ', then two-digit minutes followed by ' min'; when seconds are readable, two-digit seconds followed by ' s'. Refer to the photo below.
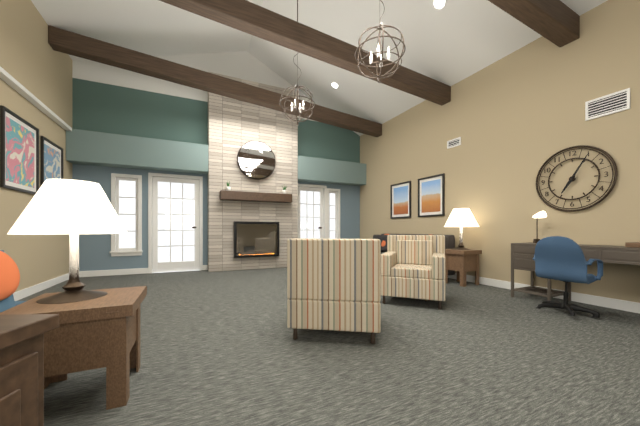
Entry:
7 h 05 min
